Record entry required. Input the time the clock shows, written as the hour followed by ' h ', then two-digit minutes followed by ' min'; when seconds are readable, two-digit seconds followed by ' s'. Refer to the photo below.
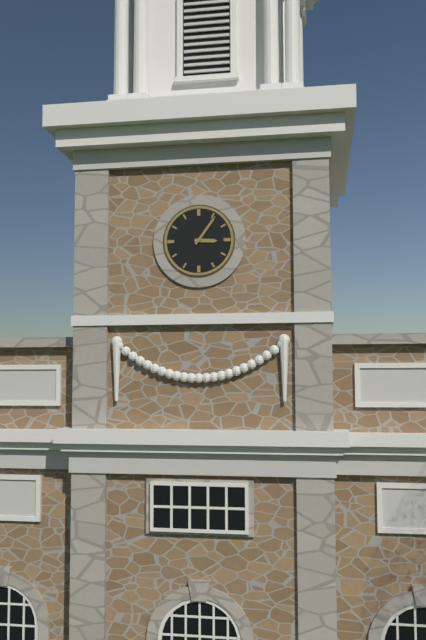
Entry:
3 h 06 min
